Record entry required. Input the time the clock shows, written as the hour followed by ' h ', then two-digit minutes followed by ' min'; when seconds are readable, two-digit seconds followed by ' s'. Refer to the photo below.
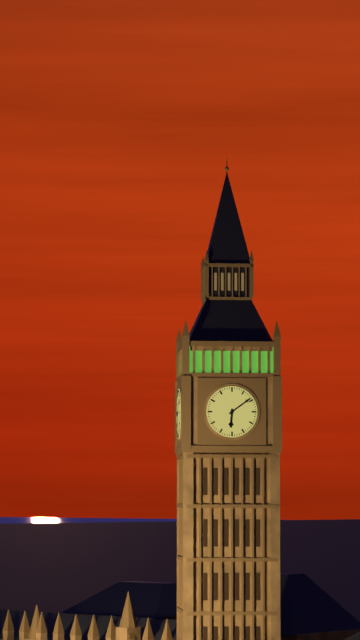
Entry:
6 h 09 min
